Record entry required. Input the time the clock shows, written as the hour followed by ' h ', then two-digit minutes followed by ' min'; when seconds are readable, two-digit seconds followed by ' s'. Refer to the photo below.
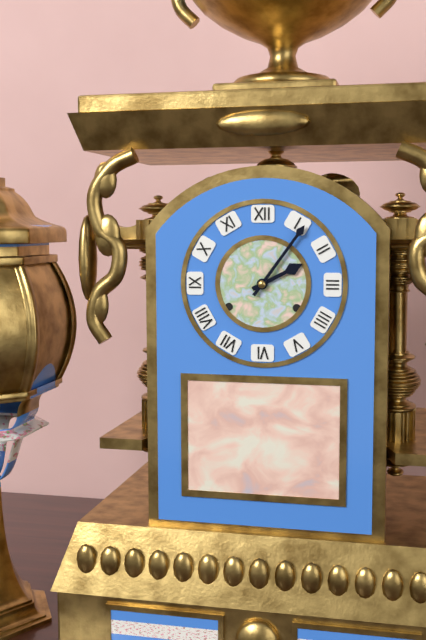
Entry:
2 h 06 min
